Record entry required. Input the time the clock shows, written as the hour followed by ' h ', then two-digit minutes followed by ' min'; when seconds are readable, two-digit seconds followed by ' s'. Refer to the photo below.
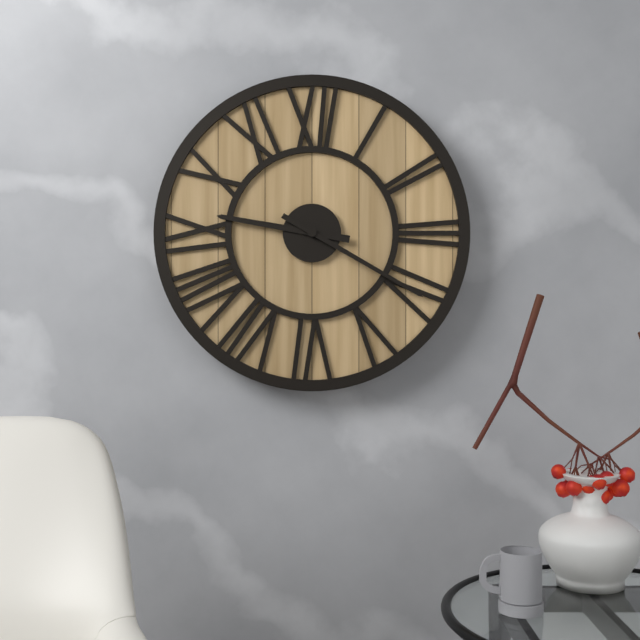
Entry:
9 h 20 min
